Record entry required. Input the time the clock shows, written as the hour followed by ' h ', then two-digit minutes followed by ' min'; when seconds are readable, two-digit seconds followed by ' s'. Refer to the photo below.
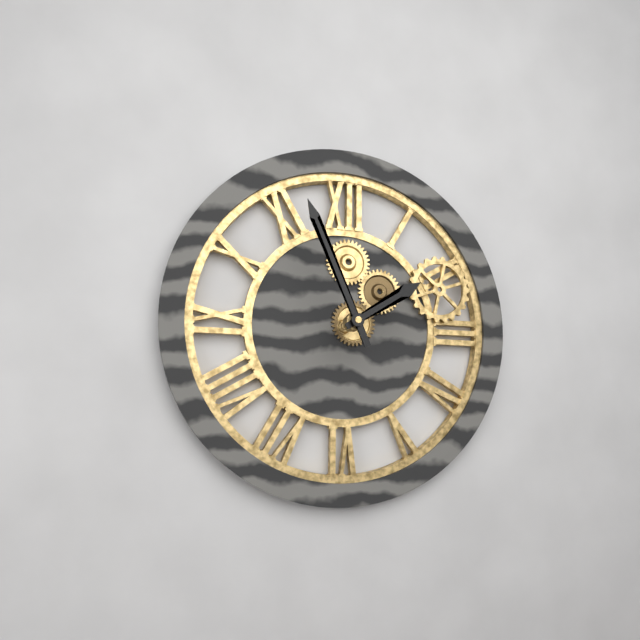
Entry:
1 h 56 min
